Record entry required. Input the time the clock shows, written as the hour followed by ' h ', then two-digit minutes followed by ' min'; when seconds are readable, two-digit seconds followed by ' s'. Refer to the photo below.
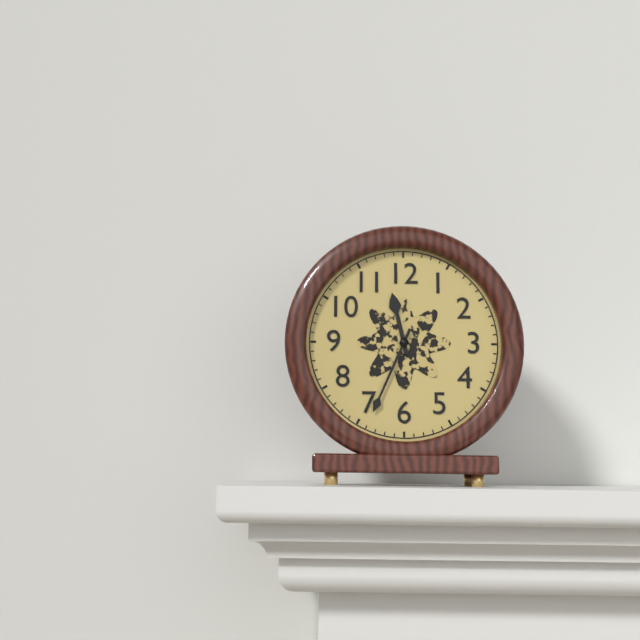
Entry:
11 h 34 min
